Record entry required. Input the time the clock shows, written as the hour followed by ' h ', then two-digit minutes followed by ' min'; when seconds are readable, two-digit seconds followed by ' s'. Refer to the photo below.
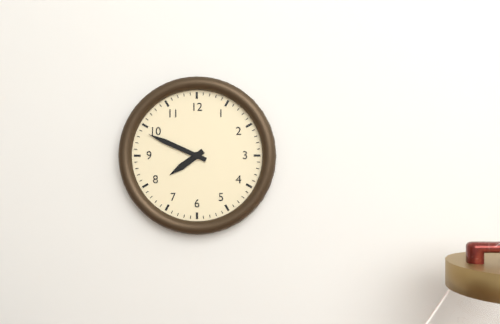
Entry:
7 h 49 min
